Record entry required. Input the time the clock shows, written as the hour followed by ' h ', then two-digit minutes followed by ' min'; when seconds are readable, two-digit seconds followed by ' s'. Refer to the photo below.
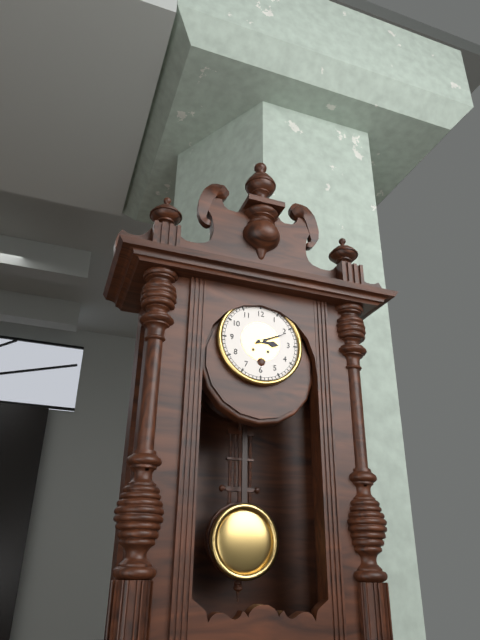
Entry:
3 h 11 min
